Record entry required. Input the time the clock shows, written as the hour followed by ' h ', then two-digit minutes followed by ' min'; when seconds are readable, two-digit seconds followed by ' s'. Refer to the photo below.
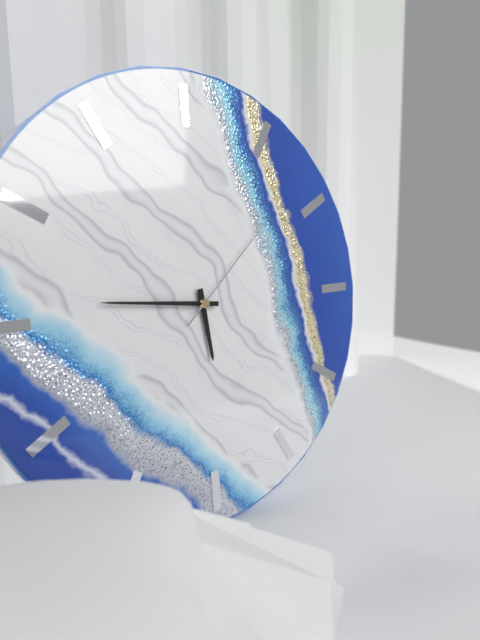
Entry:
5 h 46 min 08 s
